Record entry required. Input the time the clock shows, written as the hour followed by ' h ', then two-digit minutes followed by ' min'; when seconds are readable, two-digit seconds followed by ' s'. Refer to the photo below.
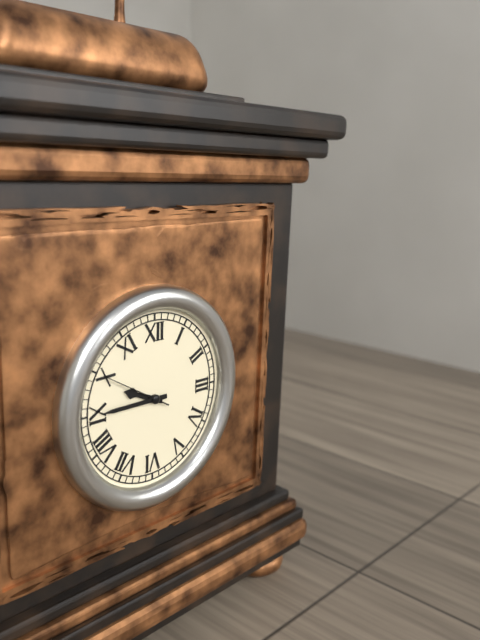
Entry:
9 h 45 min 50 s
